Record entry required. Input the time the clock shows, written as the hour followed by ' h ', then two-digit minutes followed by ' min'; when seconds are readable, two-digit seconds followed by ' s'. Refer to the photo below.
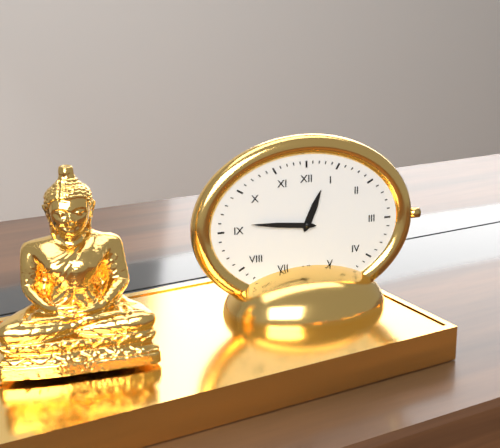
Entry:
12 h 46 min
